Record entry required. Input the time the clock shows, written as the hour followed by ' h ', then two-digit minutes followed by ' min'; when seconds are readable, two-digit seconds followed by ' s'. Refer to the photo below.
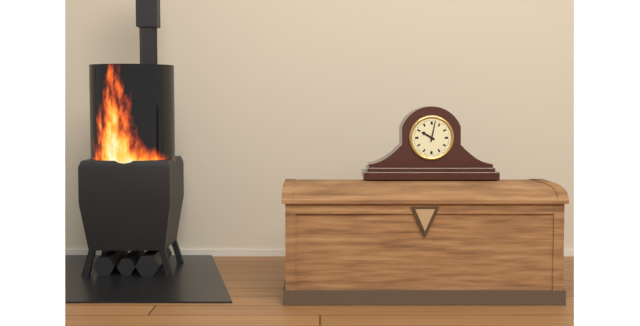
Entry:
10 h 02 min
